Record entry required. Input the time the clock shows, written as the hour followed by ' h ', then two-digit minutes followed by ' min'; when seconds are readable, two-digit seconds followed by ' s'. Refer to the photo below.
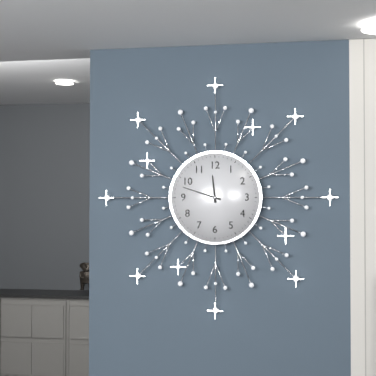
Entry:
11 h 48 min
